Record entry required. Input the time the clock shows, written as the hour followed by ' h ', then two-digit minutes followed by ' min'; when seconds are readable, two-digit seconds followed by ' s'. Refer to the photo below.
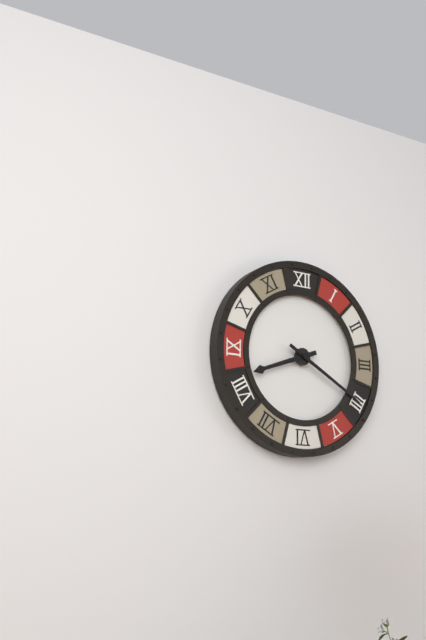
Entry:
8 h 20 min
